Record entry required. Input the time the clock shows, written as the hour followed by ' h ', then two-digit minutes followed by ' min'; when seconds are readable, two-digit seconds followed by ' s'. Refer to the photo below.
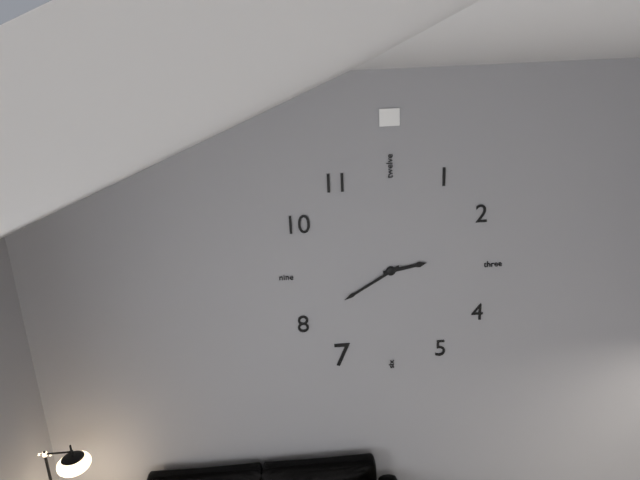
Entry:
2 h 40 min
